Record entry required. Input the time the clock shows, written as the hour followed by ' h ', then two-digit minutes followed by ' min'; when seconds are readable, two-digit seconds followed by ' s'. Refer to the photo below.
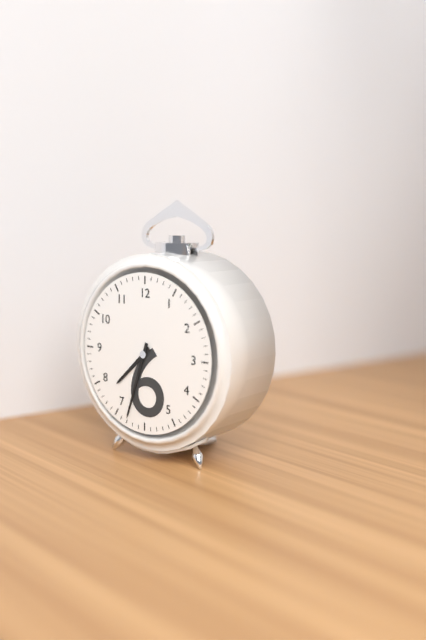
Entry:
7 h 33 min
